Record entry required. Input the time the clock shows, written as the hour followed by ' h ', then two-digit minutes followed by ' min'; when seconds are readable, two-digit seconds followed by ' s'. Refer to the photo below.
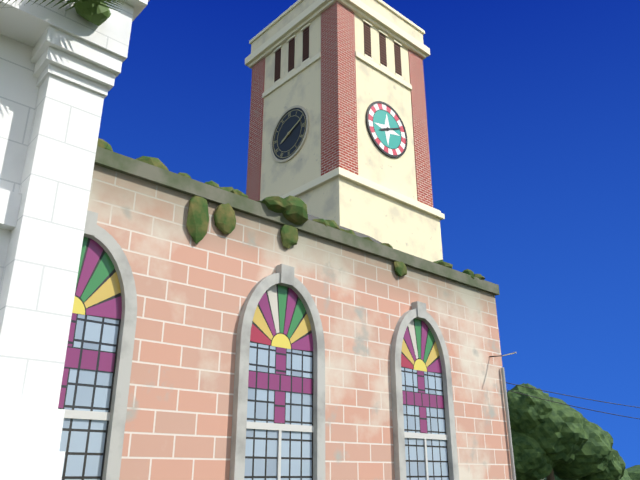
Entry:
8 h 11 min
